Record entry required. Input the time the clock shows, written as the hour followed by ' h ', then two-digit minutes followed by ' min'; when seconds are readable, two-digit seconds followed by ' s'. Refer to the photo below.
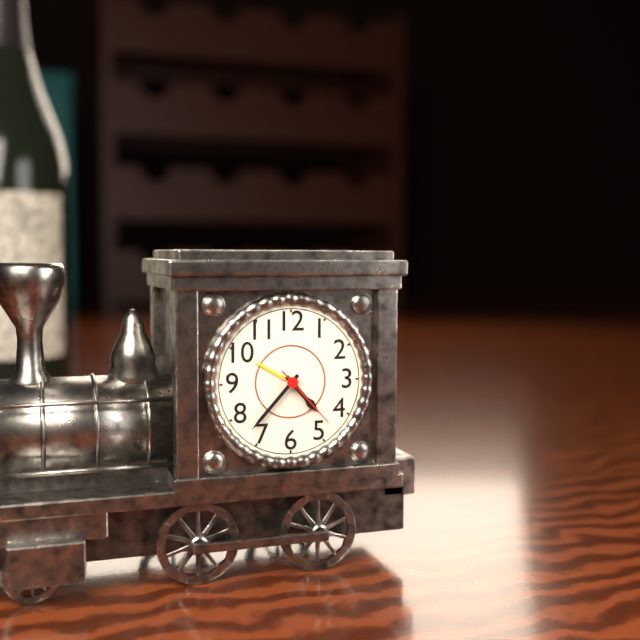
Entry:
4 h 37 min 23 s
